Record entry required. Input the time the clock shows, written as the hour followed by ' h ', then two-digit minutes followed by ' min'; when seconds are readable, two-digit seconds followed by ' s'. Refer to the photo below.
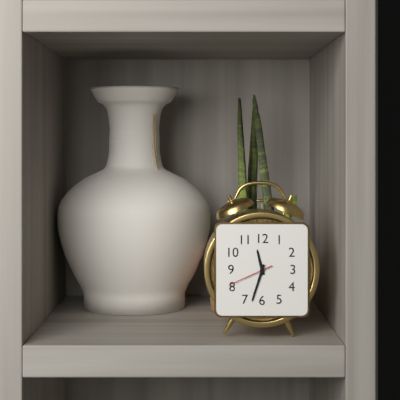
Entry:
11 h 33 min
